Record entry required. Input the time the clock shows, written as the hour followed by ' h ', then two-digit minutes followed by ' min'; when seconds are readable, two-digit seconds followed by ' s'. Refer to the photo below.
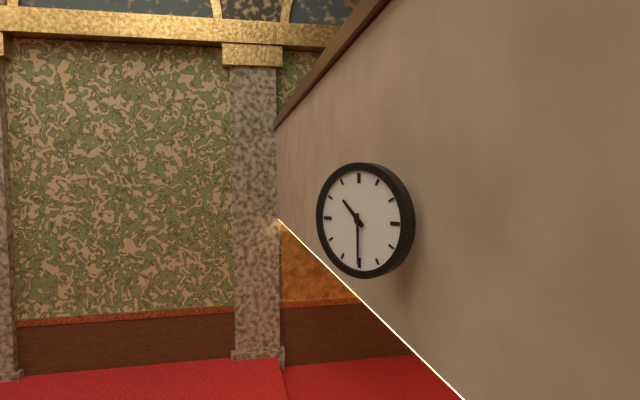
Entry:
10 h 30 min
